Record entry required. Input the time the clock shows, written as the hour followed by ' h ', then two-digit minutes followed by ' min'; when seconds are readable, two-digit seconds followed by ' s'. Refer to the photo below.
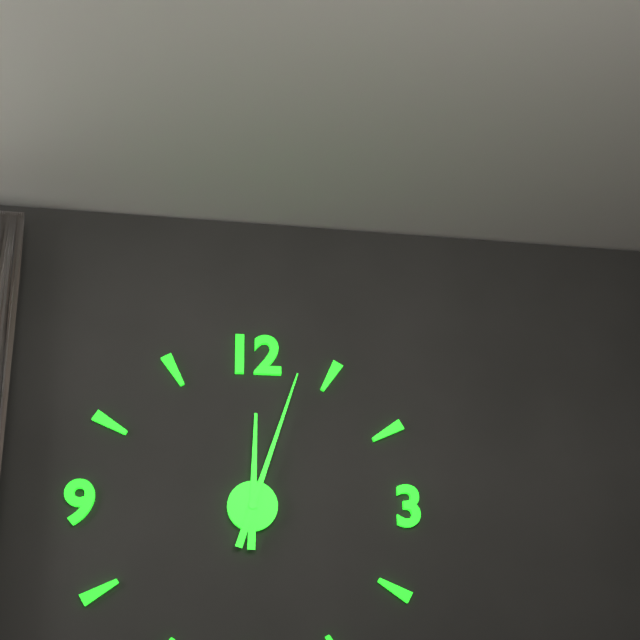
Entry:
12 h 03 min
